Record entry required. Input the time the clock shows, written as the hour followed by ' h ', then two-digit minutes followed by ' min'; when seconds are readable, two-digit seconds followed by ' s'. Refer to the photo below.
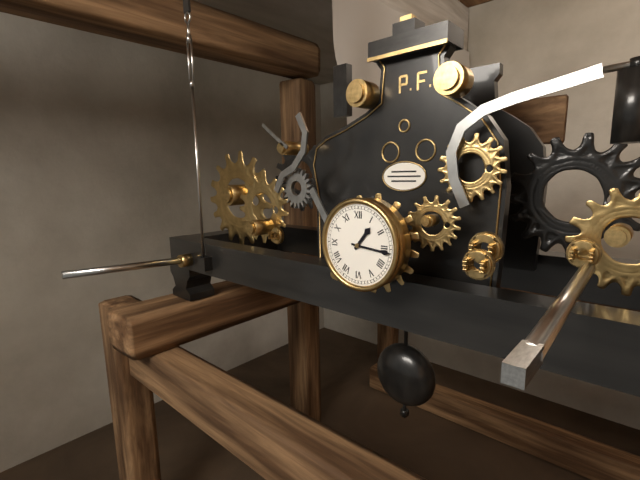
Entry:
1 h 16 min
